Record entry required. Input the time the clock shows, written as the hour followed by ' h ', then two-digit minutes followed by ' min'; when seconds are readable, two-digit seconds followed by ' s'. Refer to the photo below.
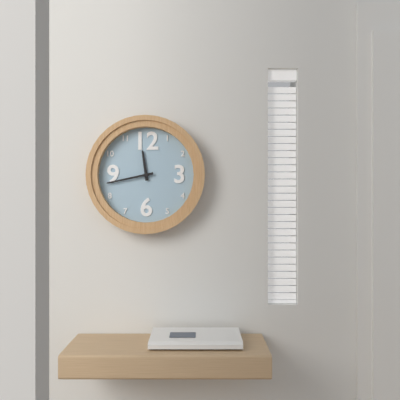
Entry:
11 h 43 min
